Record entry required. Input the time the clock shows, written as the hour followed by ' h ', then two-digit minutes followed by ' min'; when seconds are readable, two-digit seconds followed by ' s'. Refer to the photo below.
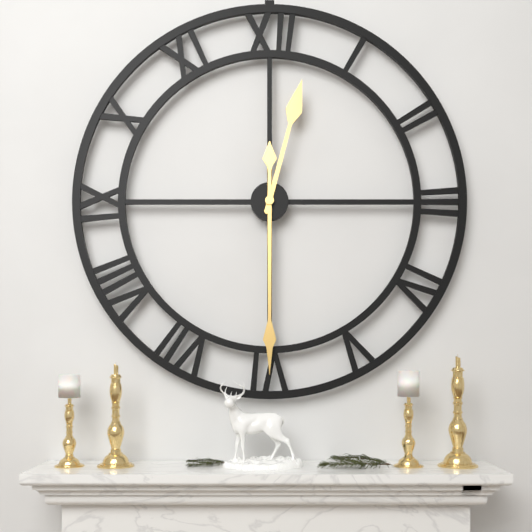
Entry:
12 h 30 min
